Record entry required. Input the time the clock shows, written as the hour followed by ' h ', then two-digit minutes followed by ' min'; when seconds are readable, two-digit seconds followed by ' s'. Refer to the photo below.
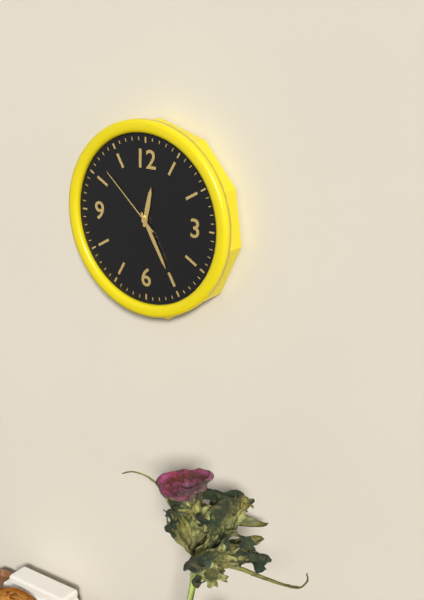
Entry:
12 h 25 min 52 s
